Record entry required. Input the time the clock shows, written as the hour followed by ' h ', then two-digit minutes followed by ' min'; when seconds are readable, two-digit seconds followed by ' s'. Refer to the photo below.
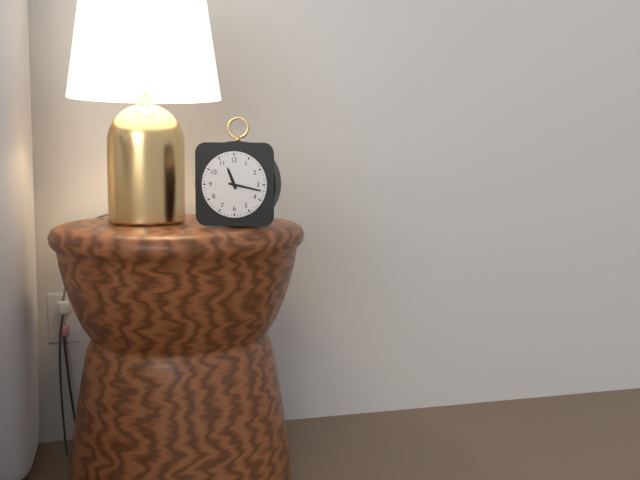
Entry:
11 h 17 min
